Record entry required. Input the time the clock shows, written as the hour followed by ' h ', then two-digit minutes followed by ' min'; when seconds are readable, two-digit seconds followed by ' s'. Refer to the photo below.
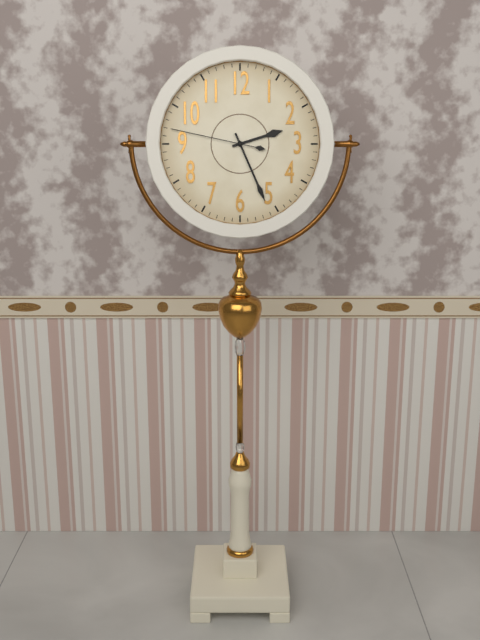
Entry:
2 h 26 min 47 s
